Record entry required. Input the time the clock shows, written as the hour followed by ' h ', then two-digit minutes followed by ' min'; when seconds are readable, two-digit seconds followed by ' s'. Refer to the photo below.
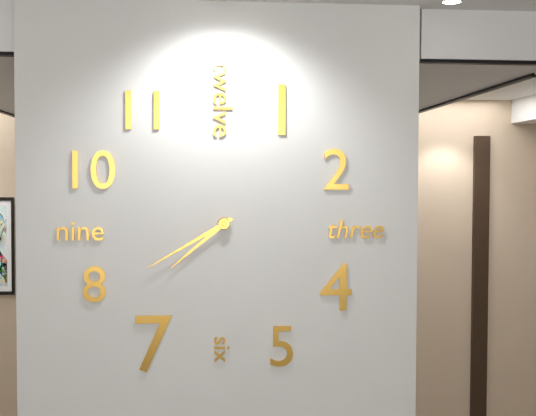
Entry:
7 h 40 min
